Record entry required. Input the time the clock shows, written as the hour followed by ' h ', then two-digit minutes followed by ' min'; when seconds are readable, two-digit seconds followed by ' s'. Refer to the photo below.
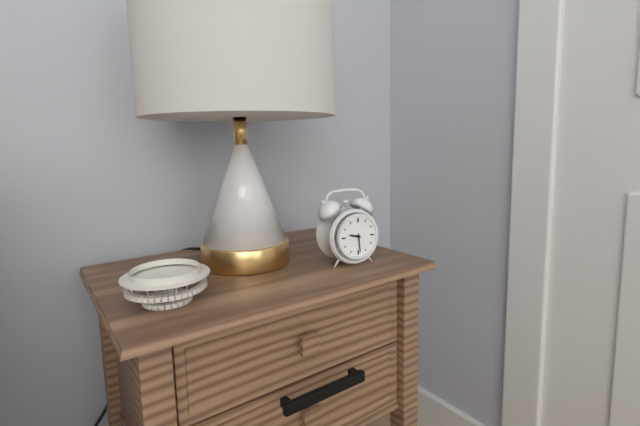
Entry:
9 h 29 min
